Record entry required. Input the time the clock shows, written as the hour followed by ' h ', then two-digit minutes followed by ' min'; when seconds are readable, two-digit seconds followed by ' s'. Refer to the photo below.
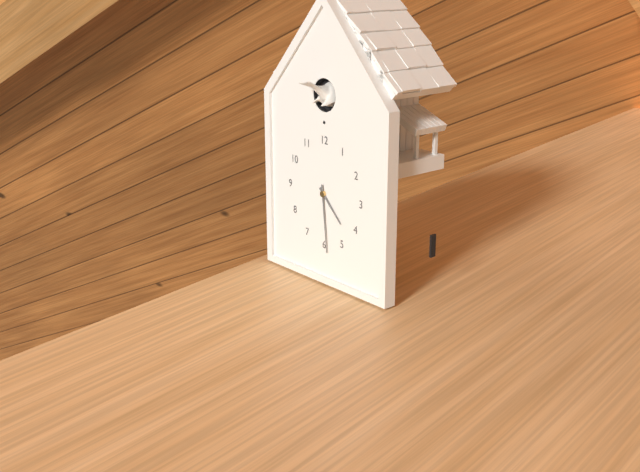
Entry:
4 h 29 min
